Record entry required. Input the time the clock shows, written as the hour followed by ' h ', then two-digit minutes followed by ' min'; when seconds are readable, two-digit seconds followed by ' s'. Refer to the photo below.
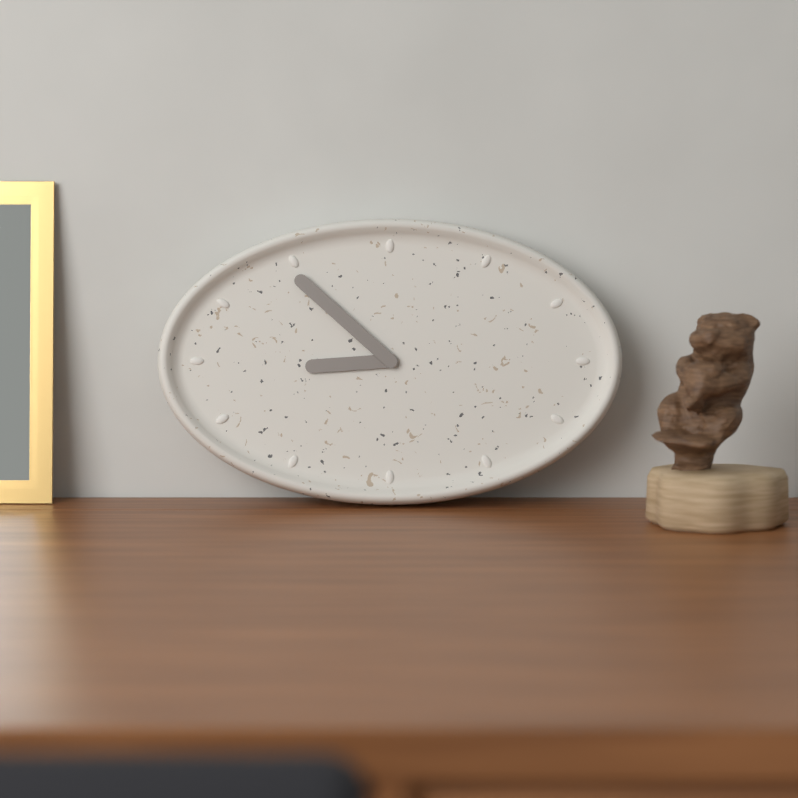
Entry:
8 h 52 min
